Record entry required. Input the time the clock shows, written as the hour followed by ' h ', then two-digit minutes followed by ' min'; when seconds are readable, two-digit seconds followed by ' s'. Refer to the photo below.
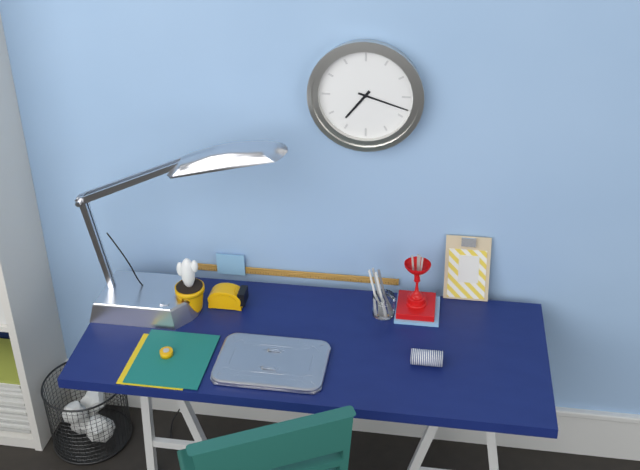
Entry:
7 h 18 min
